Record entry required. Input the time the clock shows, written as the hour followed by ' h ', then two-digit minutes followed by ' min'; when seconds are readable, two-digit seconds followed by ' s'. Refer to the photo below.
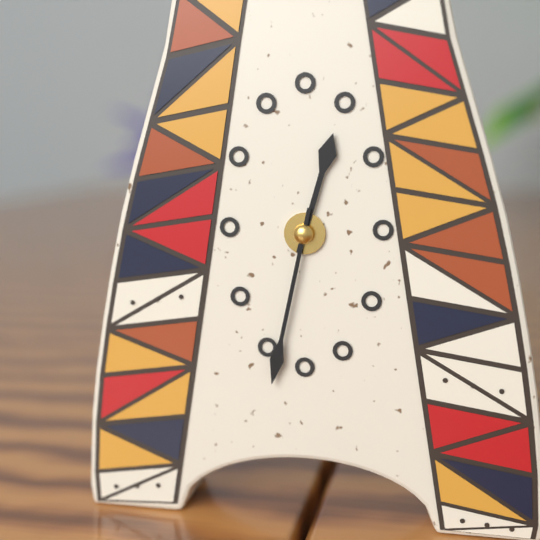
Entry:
12 h 32 min
